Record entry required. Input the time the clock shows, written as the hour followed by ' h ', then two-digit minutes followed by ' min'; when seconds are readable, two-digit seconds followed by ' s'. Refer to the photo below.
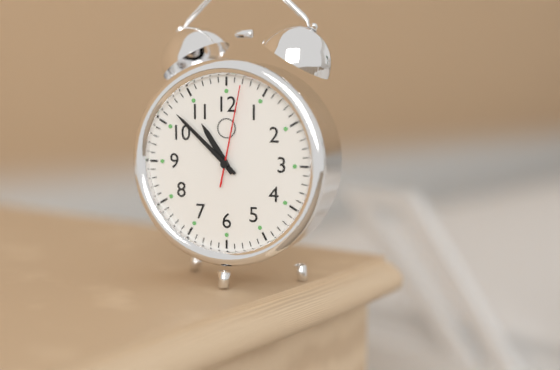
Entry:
10 h 52 min 02 s
